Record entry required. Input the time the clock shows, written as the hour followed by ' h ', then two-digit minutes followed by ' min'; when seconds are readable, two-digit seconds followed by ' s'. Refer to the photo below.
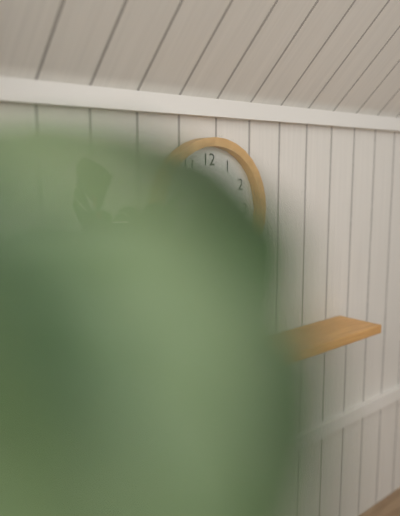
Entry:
11 h 31 min
